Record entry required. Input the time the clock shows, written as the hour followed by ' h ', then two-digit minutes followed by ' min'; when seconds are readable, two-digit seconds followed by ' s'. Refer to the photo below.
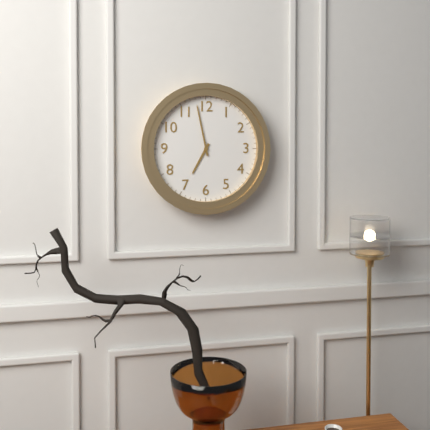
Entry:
6 h 58 min
